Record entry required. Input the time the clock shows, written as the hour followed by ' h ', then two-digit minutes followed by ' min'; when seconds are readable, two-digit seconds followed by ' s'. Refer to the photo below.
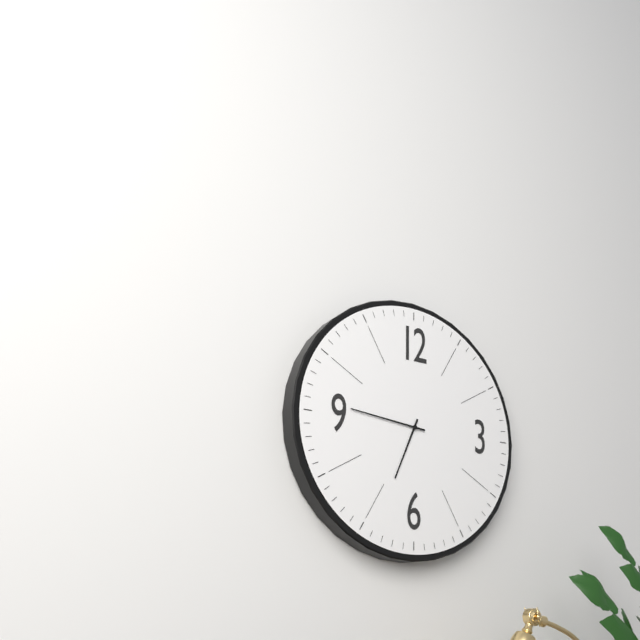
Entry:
6 h 46 min
